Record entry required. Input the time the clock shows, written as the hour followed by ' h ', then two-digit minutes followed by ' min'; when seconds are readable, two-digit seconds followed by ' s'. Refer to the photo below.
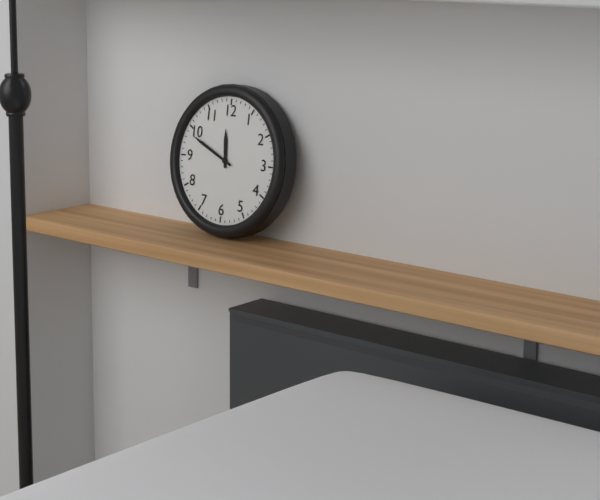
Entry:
11 h 49 min
